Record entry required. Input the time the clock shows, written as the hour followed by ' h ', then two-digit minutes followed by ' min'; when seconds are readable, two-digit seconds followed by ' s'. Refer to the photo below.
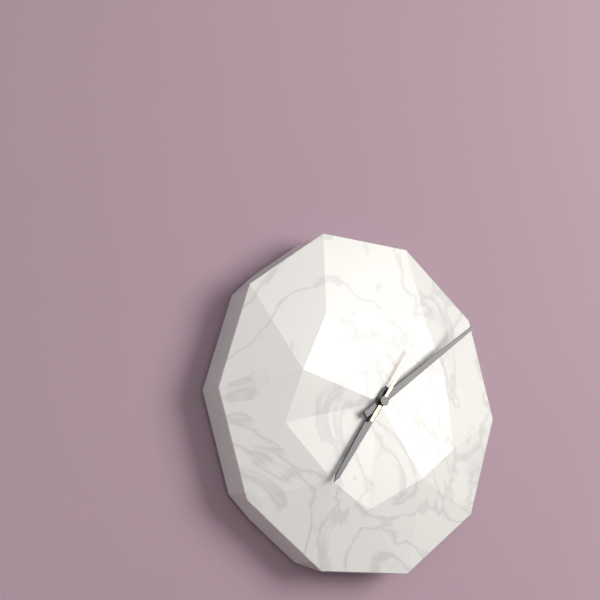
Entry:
7 h 09 min 06 s
